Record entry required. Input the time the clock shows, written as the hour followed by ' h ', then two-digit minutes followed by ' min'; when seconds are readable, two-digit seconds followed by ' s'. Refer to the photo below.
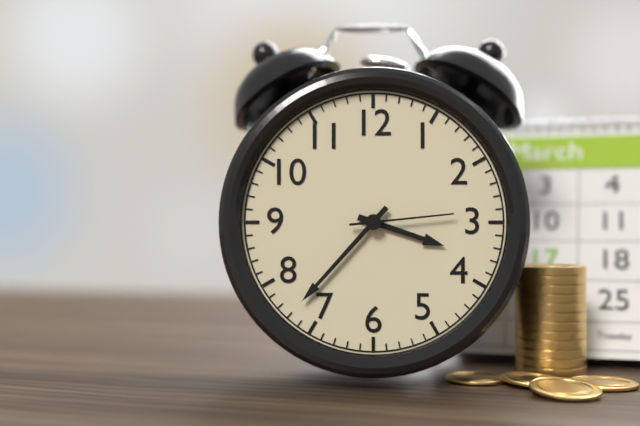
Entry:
3 h 37 min 14 s
